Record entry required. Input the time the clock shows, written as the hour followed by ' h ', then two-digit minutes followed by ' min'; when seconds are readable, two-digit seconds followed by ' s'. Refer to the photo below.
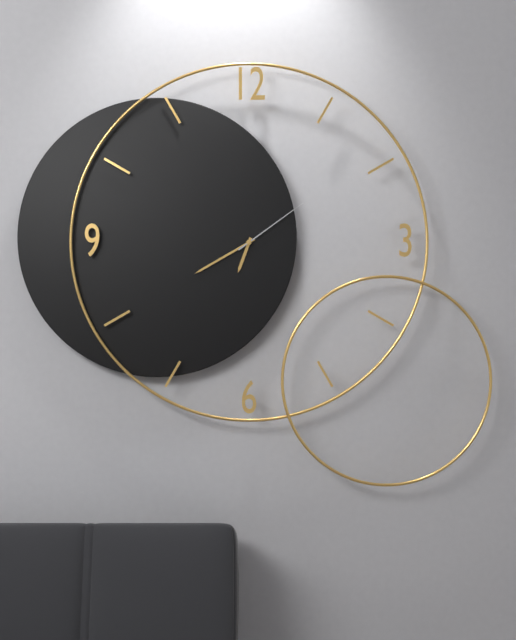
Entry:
6 h 40 min 09 s
